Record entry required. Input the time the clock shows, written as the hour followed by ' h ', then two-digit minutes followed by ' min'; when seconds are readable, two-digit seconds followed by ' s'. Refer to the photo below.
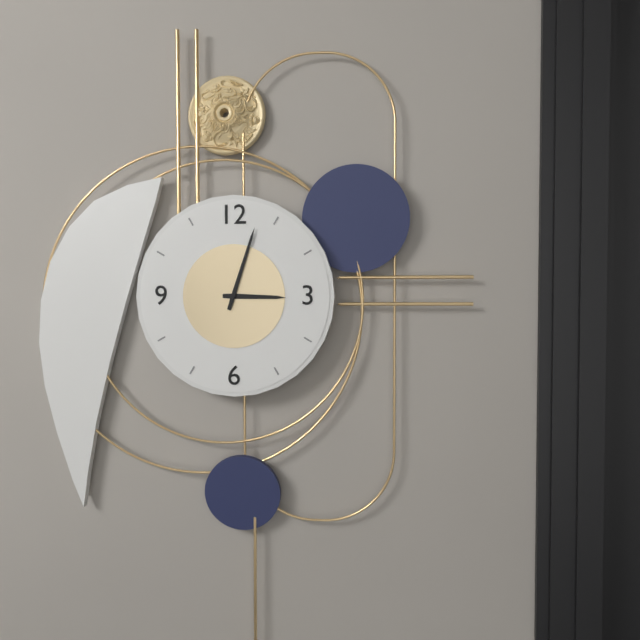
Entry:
3 h 03 min
